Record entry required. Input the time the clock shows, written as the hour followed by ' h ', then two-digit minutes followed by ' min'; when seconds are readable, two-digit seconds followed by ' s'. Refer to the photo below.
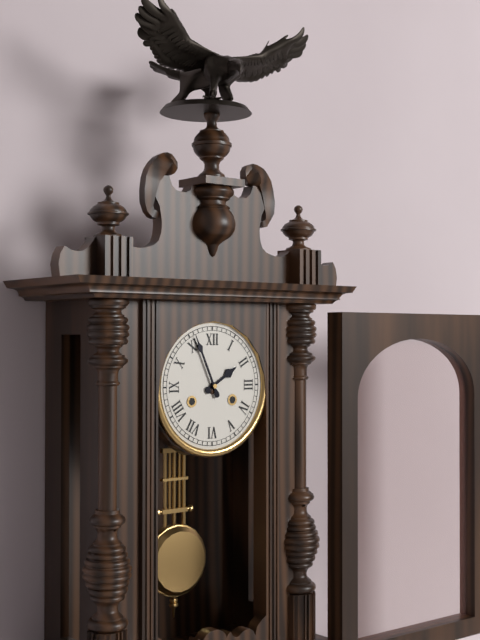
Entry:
1 h 56 min
